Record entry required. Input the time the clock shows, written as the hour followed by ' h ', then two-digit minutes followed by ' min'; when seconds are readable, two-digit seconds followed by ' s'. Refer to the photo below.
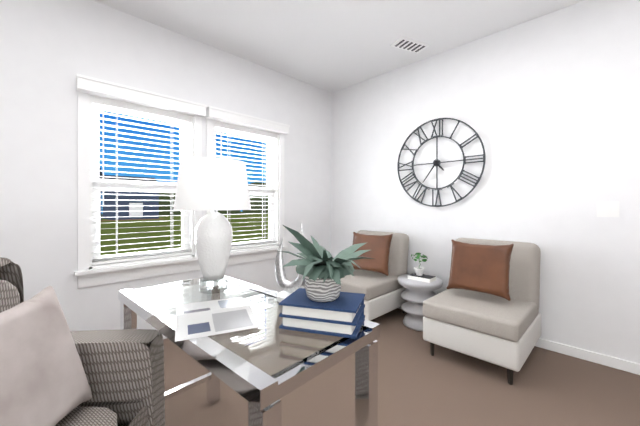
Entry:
4 h 36 min
